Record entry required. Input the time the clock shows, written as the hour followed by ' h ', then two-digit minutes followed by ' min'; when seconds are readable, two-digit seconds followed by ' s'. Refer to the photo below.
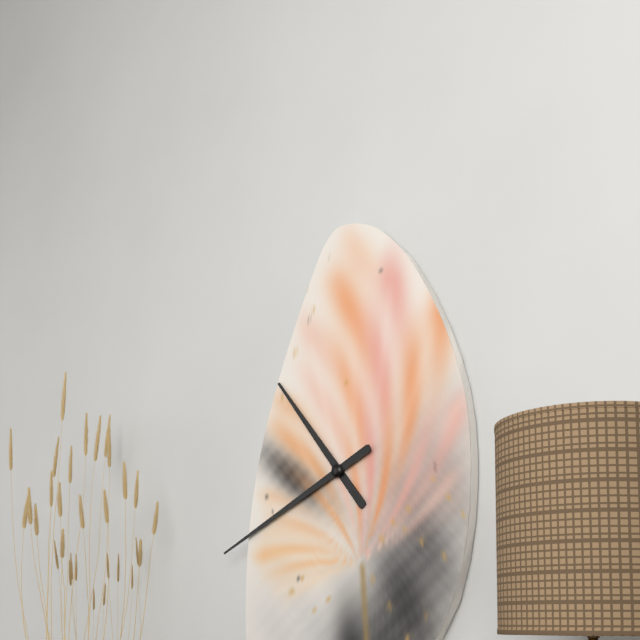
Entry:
10 h 41 min
